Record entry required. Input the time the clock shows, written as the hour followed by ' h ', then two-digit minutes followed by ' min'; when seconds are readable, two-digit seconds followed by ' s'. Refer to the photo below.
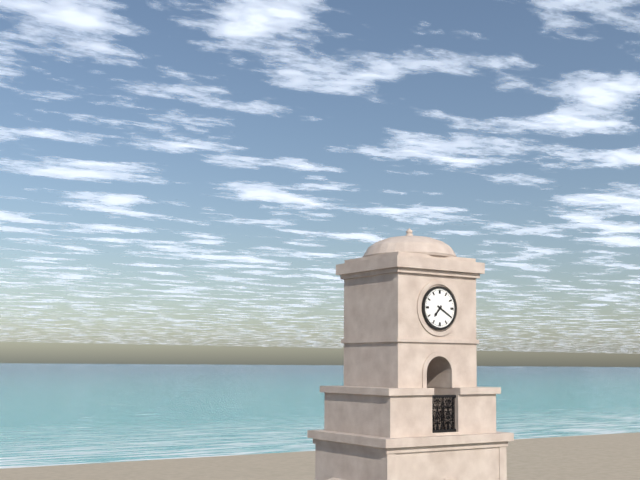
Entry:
7 h 20 min
